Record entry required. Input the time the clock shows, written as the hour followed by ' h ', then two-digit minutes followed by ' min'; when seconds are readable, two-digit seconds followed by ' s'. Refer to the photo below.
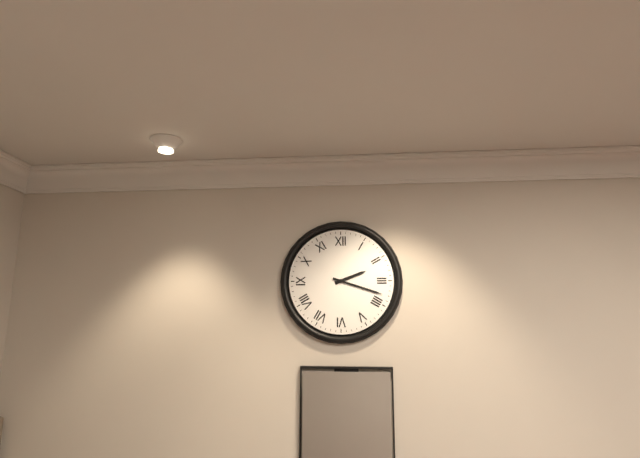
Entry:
2 h 18 min
